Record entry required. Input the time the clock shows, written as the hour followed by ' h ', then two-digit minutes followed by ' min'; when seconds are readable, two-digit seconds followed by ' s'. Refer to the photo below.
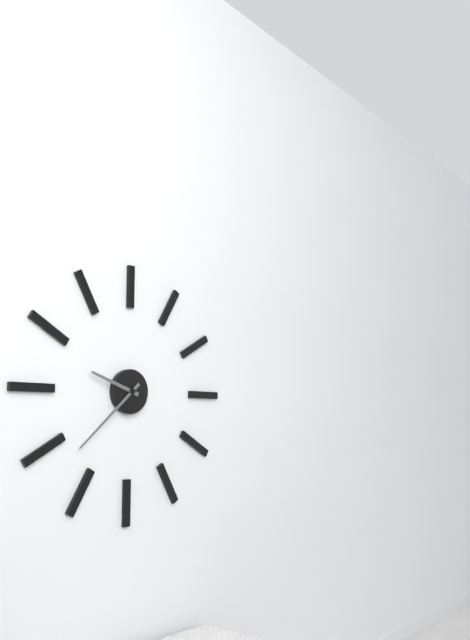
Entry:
9 h 38 min
